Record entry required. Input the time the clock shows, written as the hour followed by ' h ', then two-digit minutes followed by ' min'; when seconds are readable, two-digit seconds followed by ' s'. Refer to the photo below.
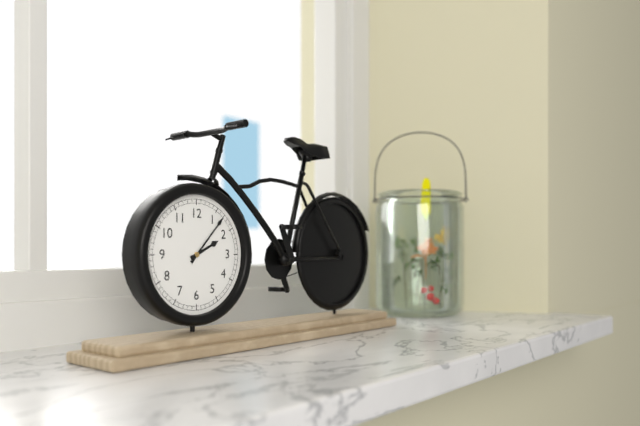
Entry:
2 h 07 min
